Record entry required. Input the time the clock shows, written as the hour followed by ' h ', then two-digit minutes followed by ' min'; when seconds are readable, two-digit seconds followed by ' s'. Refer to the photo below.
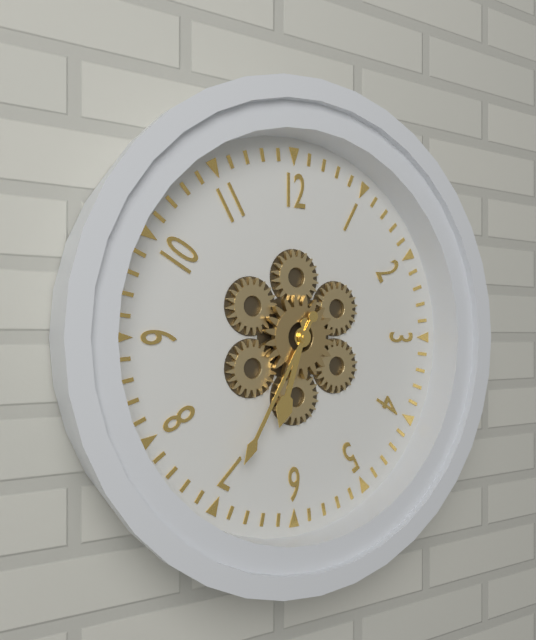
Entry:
6 h 35 min
